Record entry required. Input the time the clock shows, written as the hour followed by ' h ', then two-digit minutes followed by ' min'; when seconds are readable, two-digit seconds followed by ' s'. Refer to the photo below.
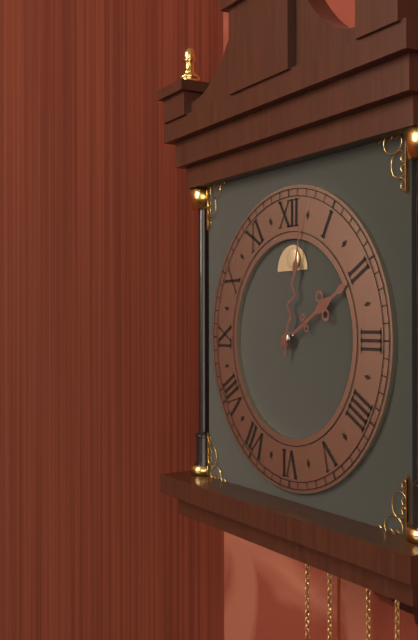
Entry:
2 h 02 min
